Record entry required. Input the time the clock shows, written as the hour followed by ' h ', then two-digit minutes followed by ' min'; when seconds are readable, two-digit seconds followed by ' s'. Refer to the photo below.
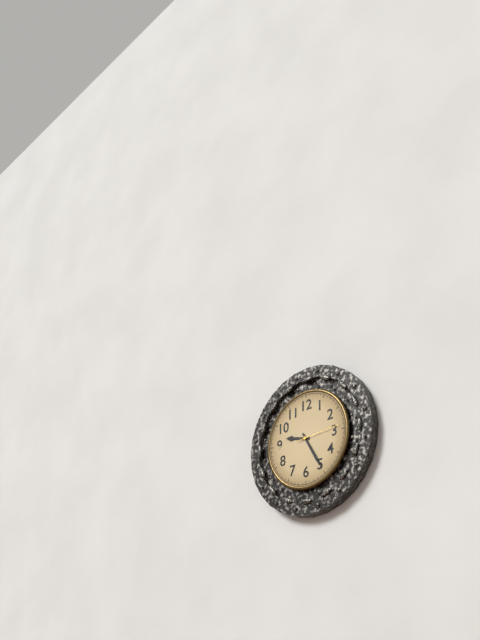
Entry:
9 h 25 min
